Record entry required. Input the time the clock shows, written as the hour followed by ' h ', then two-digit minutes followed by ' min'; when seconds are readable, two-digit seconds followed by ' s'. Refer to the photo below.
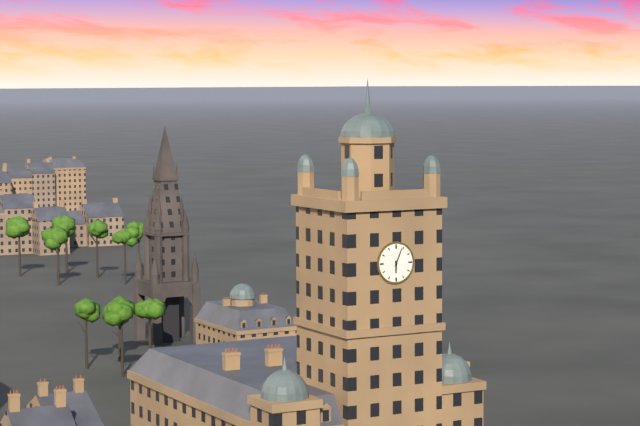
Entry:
6 h 04 min
